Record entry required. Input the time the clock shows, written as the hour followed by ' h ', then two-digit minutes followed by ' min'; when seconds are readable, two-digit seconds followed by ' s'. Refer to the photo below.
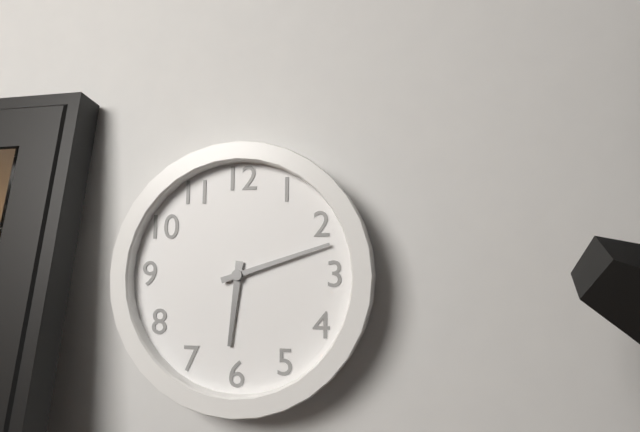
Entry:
6 h 12 min
